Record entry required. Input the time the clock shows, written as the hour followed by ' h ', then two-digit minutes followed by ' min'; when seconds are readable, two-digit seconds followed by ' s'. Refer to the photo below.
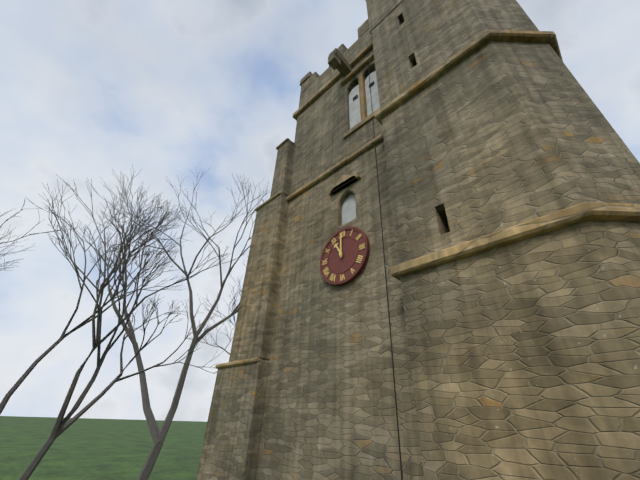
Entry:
11 h 00 min
